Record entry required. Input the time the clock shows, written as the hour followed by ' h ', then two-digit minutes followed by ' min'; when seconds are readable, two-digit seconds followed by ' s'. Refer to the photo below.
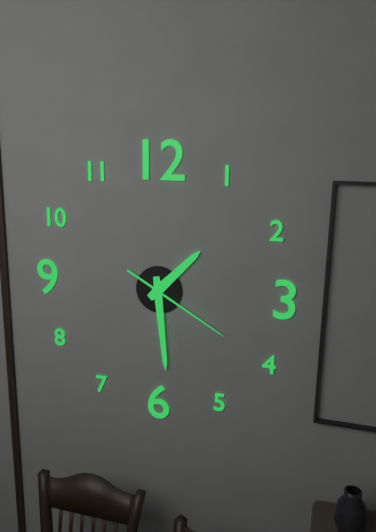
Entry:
1 h 29 min 20 s
